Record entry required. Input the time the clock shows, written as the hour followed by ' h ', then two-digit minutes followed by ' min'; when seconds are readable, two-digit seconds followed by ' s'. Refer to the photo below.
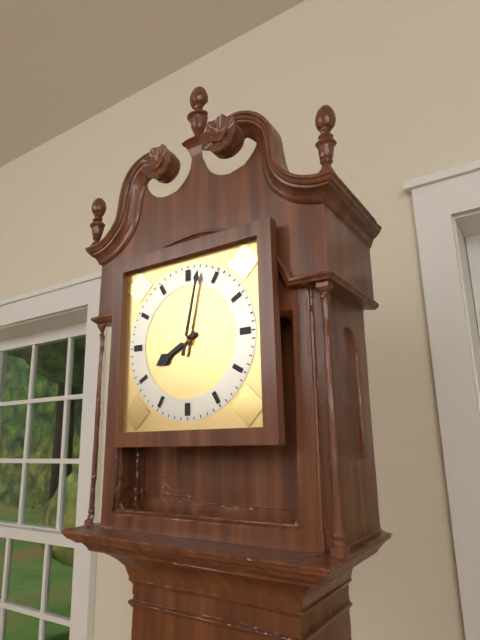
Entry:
8 h 02 min
